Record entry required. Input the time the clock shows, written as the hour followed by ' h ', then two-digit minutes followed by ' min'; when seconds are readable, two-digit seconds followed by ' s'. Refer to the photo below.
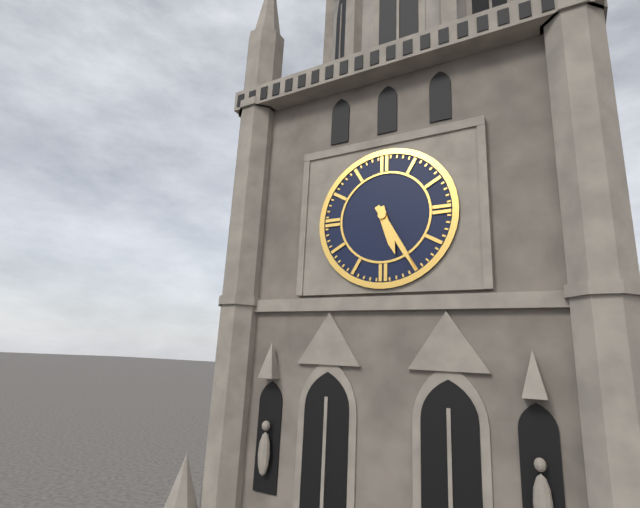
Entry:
5 h 25 min
